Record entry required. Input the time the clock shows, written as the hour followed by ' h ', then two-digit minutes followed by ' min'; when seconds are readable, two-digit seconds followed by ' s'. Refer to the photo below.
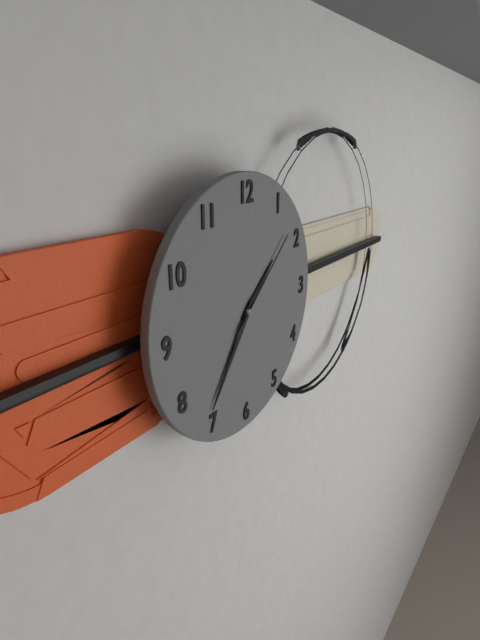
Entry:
1 h 36 min 08 s
